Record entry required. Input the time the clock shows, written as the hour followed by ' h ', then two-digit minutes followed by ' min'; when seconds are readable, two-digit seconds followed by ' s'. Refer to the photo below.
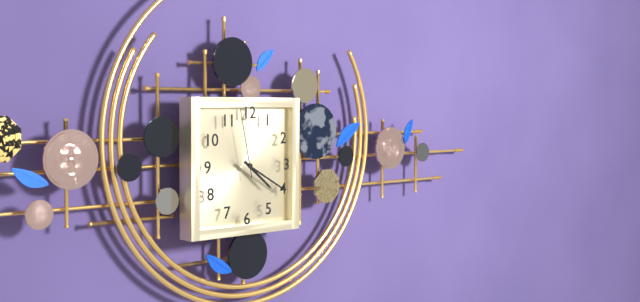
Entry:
4 h 20 min 58 s
